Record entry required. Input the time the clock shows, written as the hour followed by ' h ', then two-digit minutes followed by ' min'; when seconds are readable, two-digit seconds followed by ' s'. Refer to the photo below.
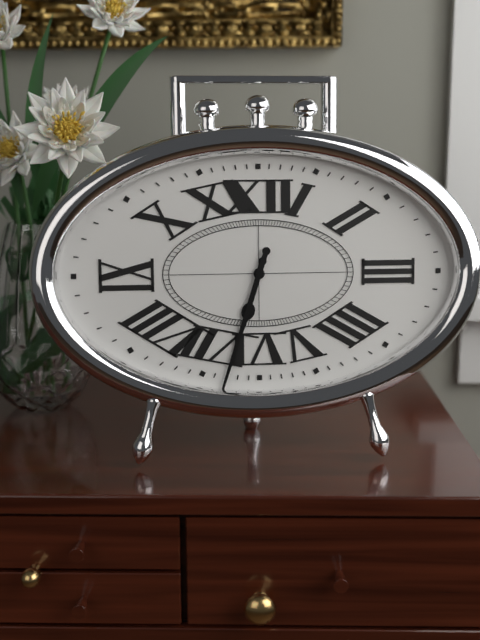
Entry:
6 h 33 min
